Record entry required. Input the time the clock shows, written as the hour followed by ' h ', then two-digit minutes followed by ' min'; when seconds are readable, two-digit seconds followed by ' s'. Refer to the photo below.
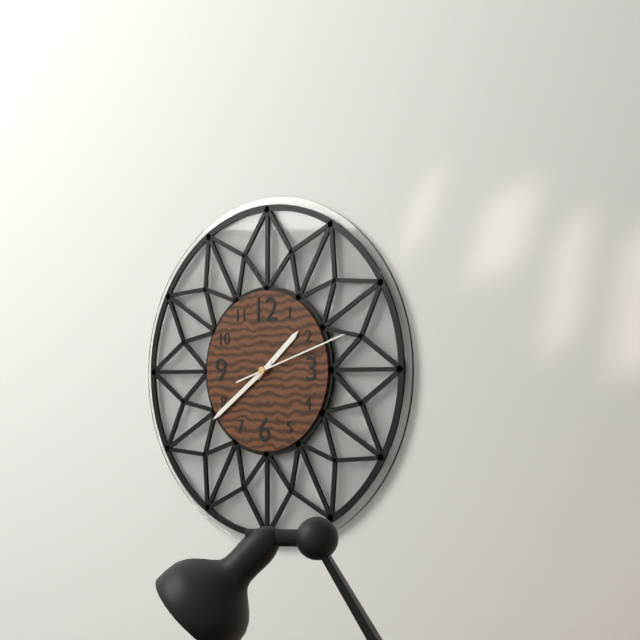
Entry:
1 h 39 min 12 s
